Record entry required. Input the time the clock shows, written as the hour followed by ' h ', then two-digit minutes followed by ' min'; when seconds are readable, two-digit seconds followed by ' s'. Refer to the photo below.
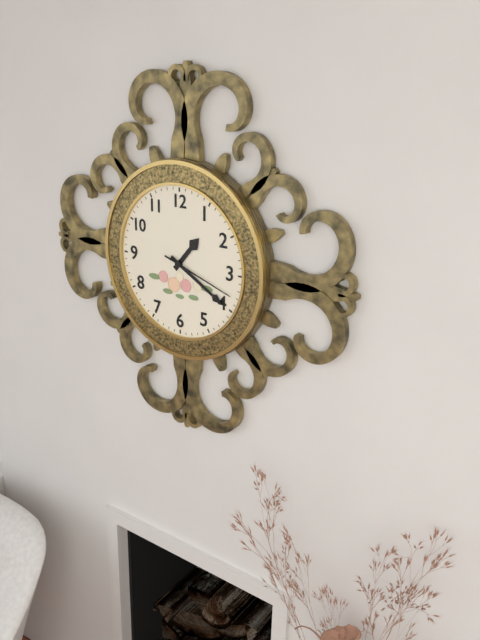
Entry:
1 h 20 min 18 s
